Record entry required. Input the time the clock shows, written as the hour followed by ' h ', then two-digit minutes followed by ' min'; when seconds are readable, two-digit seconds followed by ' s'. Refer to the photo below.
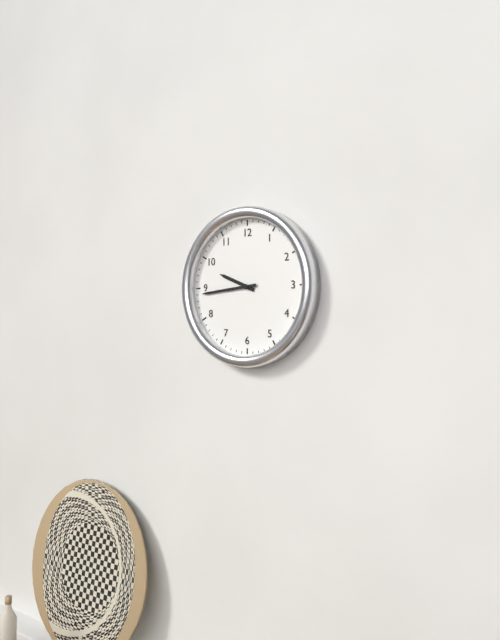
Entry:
9 h 44 min
